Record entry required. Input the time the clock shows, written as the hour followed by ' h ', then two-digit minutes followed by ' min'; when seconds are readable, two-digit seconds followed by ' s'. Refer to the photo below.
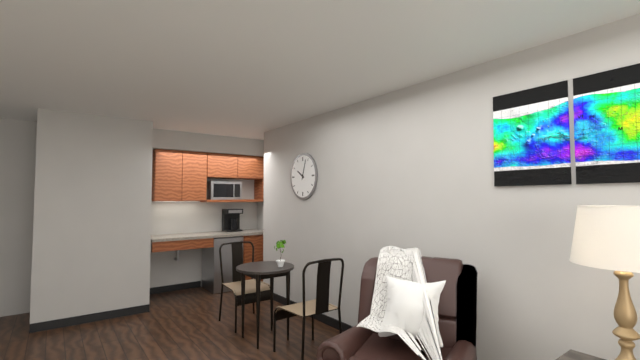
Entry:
10 h 03 min
